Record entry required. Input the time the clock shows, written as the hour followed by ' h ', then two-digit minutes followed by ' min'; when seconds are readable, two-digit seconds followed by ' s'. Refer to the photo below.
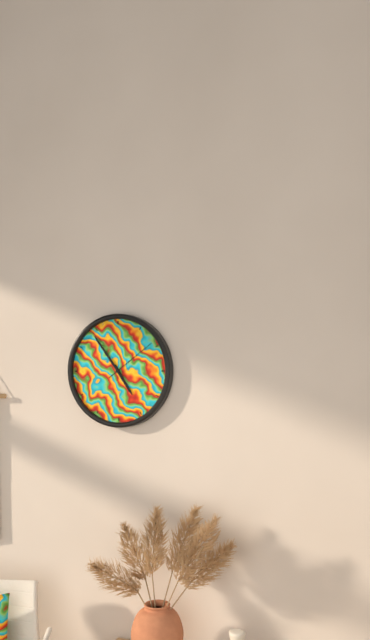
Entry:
4 h 54 min 09 s
